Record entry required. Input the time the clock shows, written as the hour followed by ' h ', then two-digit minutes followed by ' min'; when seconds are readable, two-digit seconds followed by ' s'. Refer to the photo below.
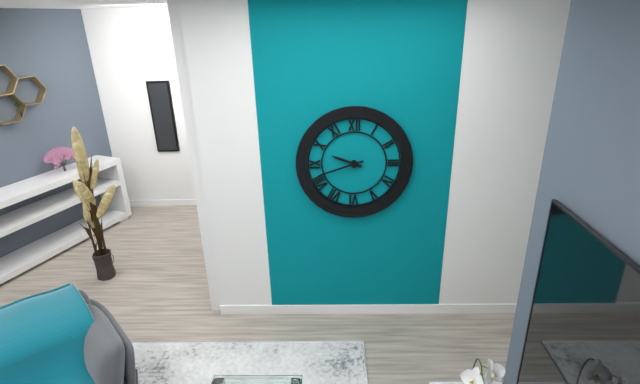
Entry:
9 h 42 min
